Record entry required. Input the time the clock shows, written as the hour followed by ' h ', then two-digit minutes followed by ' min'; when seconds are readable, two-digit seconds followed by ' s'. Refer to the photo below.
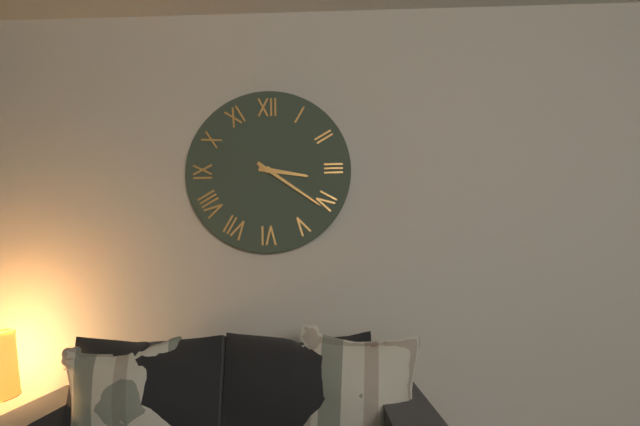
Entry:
3 h 21 min
